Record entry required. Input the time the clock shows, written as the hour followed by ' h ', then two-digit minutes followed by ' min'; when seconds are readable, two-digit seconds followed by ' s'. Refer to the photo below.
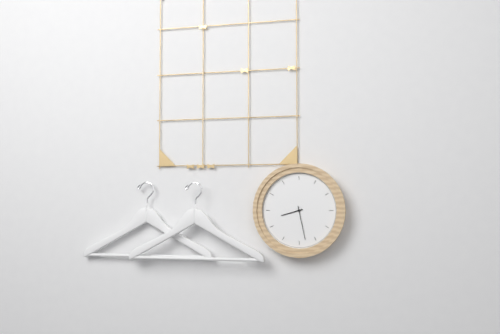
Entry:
8 h 28 min
